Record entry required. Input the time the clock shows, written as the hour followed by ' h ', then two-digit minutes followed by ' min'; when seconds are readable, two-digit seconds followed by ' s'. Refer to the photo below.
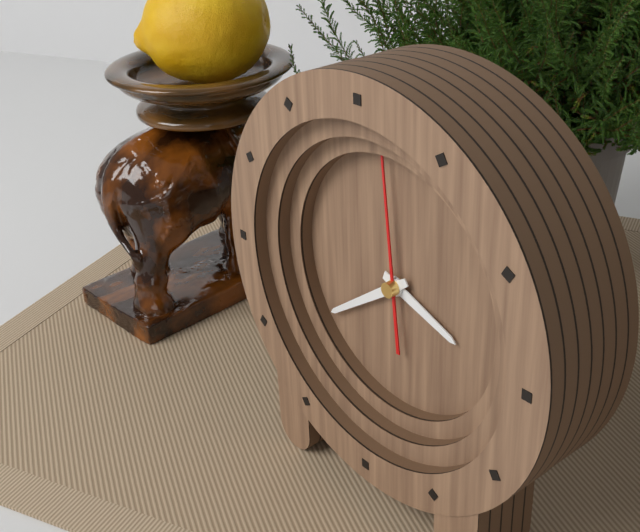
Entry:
3 h 39 min 59 s
